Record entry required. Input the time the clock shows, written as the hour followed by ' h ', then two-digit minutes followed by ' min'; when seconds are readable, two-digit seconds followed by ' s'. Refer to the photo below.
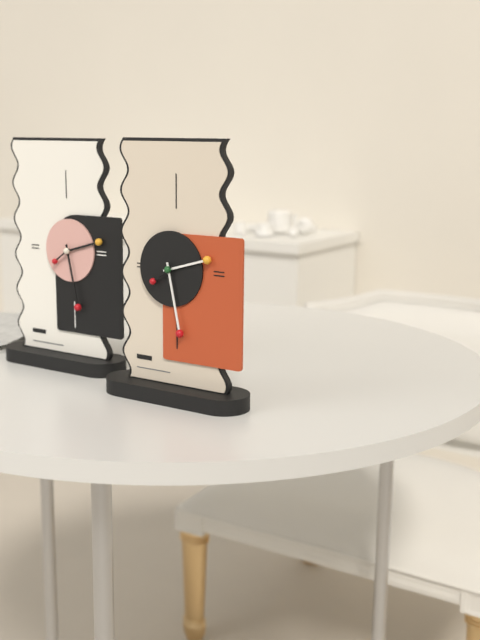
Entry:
2 h 28 min
